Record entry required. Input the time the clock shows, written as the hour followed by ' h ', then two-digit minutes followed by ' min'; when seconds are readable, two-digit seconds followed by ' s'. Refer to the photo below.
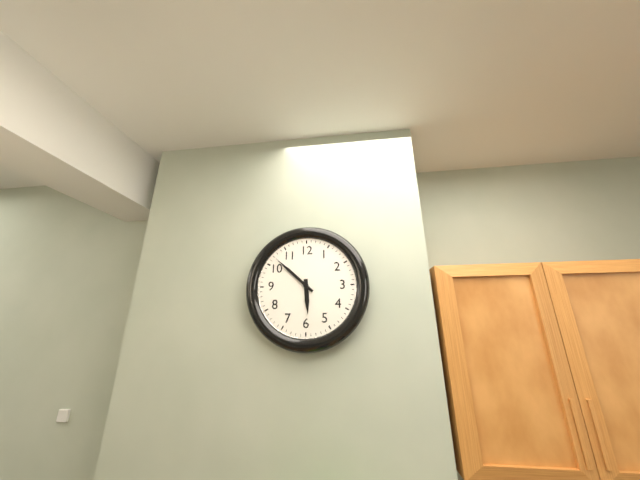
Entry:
5 h 52 min
